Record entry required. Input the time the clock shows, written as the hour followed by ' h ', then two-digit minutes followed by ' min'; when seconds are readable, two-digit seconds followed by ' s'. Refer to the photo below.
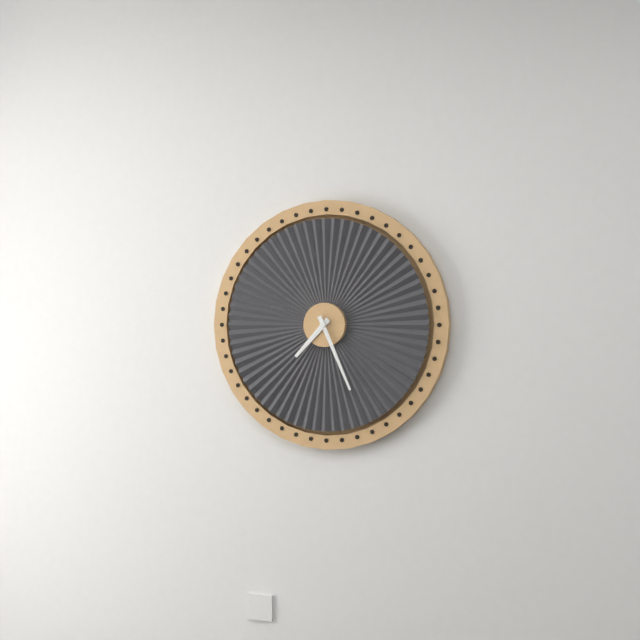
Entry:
7 h 26 min
